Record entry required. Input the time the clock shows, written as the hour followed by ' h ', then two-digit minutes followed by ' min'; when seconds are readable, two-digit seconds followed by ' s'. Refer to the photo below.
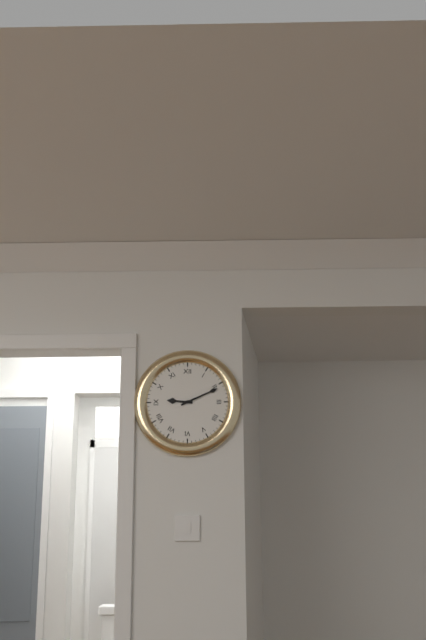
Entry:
9 h 11 min
